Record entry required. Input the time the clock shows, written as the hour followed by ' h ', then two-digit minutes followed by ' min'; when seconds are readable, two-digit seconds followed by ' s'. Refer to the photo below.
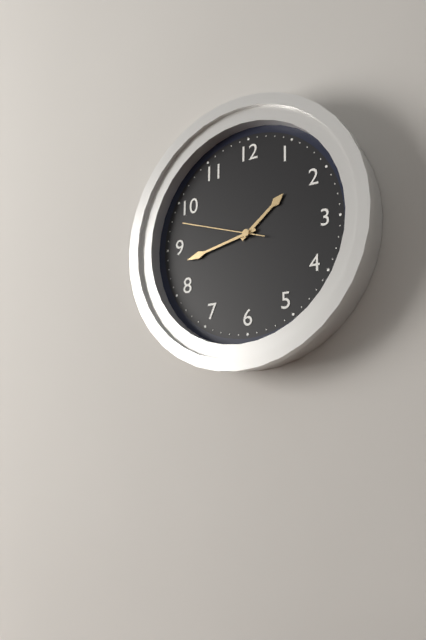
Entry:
1 h 43 min 48 s
